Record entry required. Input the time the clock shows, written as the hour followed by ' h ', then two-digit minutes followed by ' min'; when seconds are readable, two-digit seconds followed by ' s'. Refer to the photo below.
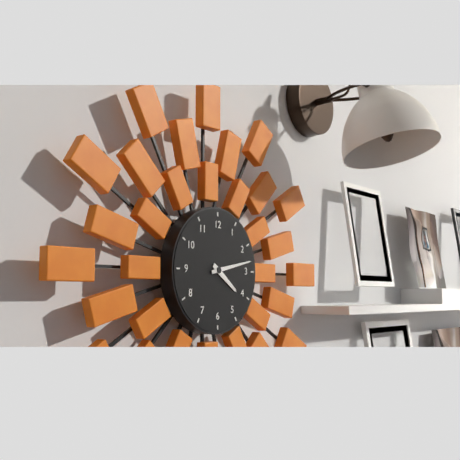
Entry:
4 h 13 min
